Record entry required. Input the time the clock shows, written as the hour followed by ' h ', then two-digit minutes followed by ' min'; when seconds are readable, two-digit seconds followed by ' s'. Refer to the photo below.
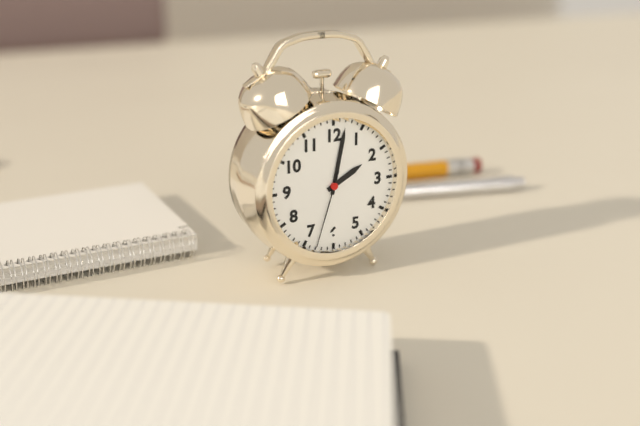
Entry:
2 h 02 min 33 s
